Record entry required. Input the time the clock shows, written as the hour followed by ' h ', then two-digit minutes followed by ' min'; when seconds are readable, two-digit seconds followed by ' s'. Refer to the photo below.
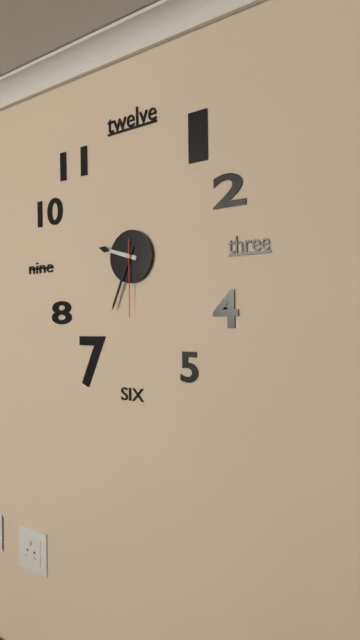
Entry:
9 h 34 min 30 s
